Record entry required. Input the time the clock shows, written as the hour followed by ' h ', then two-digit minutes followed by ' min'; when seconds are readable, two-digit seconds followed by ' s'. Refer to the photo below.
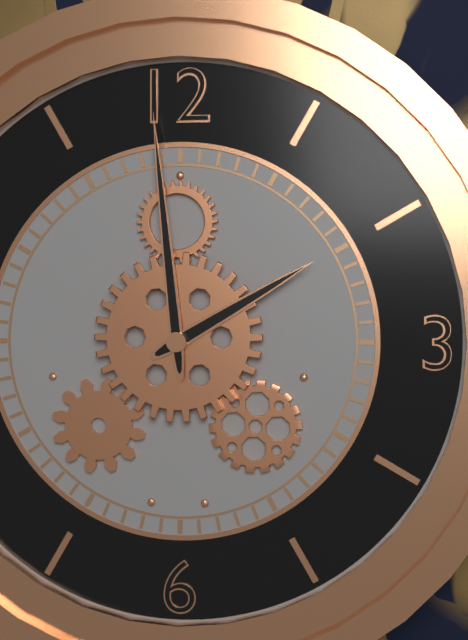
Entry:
1 h 59 min
